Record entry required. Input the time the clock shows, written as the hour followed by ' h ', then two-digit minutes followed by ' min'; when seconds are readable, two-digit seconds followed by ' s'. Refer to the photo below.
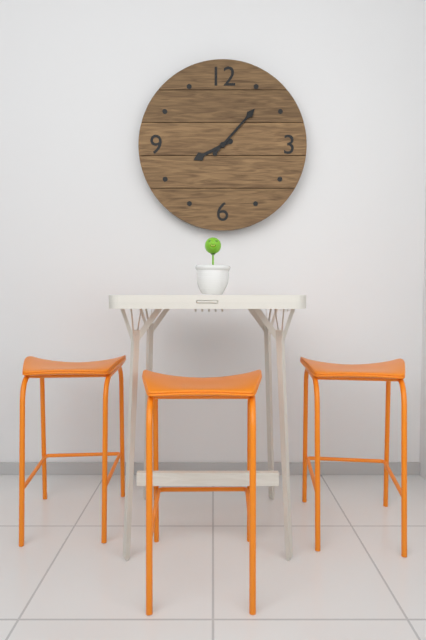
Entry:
8 h 07 min
